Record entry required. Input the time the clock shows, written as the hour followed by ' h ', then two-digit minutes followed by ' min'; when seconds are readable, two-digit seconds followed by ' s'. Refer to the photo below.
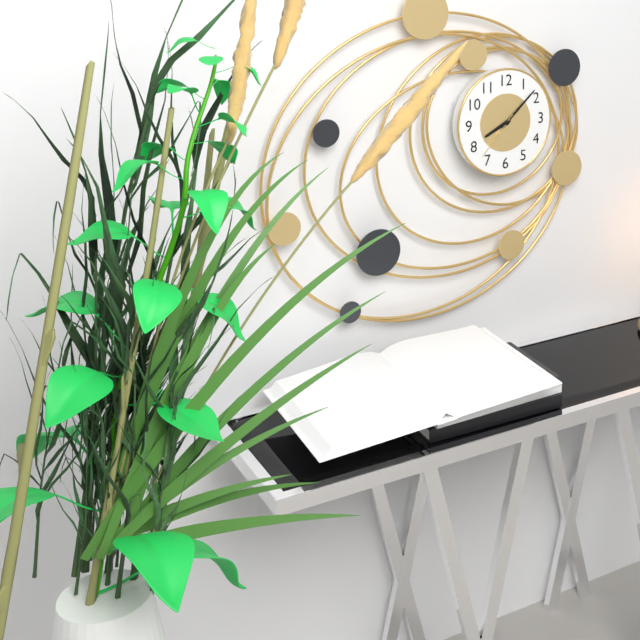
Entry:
8 h 08 min 37 s
